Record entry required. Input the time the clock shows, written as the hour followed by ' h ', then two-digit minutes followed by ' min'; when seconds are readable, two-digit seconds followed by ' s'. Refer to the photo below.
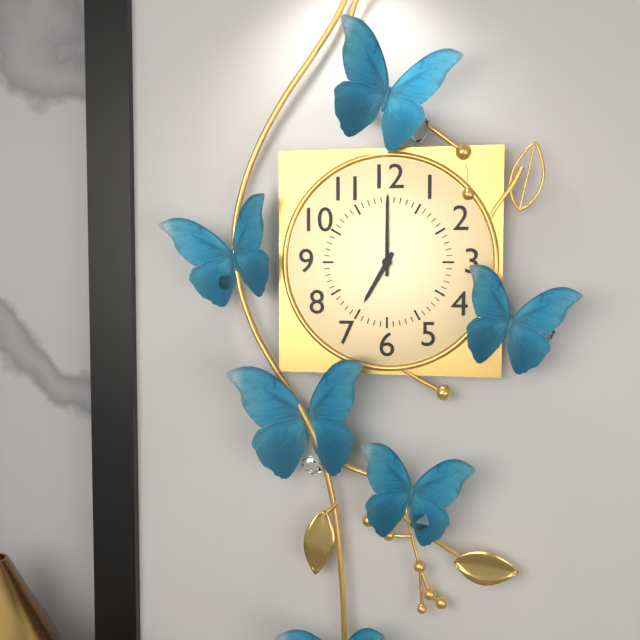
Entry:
7 h 00 min
